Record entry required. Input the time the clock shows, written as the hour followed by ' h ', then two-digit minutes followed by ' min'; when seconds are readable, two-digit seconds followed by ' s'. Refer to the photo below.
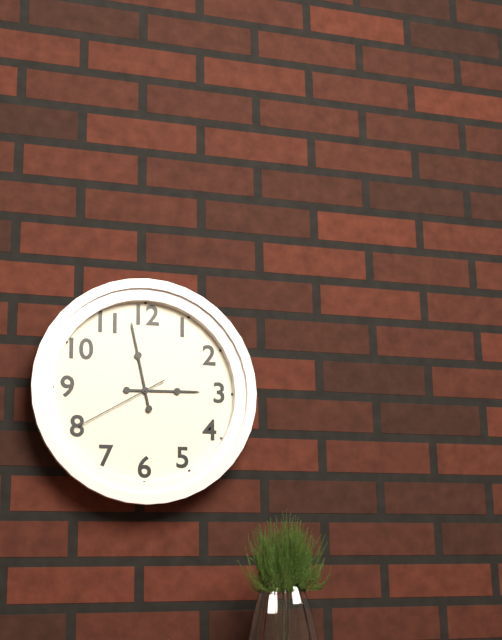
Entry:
2 h 58 min 40 s
